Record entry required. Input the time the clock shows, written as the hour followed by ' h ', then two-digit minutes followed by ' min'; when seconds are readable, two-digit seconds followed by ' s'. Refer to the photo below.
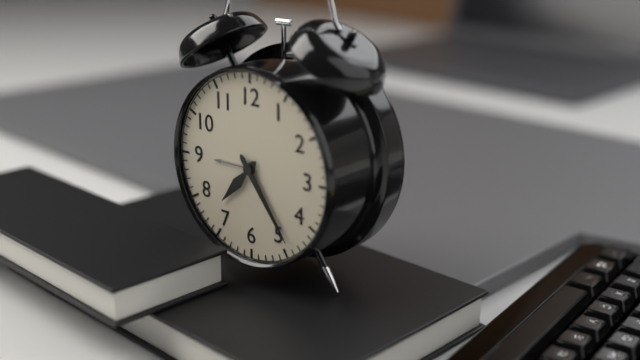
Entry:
7 h 24 min
